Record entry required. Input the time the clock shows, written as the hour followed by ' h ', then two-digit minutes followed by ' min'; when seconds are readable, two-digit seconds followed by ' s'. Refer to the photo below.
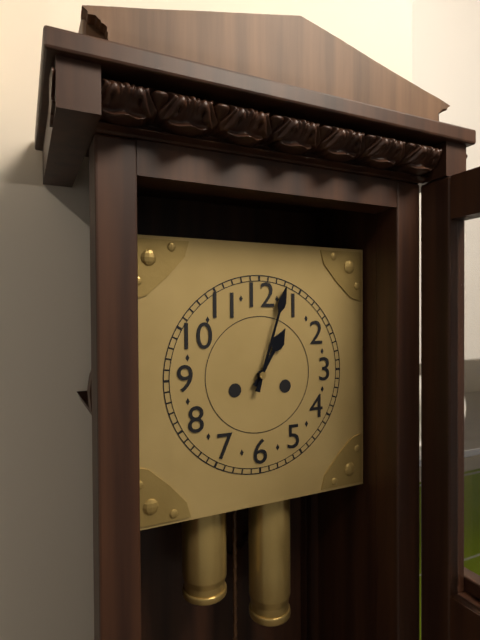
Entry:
1 h 03 min
